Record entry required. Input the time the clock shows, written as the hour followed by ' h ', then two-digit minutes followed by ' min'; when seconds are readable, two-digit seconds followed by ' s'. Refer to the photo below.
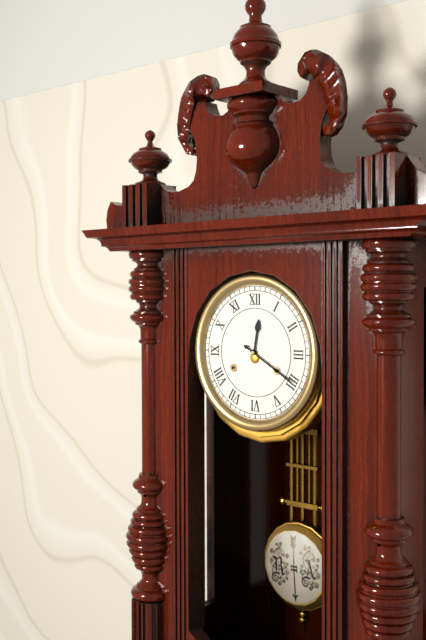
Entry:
12 h 20 min
